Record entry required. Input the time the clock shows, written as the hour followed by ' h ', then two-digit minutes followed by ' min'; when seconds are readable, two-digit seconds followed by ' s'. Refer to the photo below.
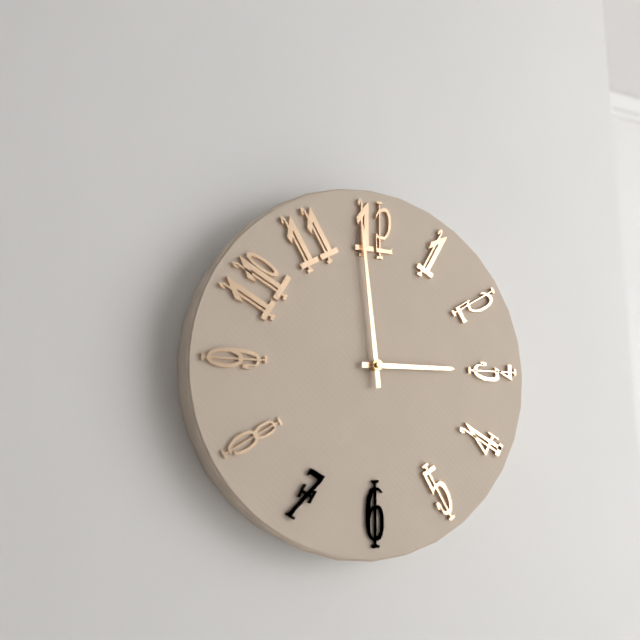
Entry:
2 h 59 min
